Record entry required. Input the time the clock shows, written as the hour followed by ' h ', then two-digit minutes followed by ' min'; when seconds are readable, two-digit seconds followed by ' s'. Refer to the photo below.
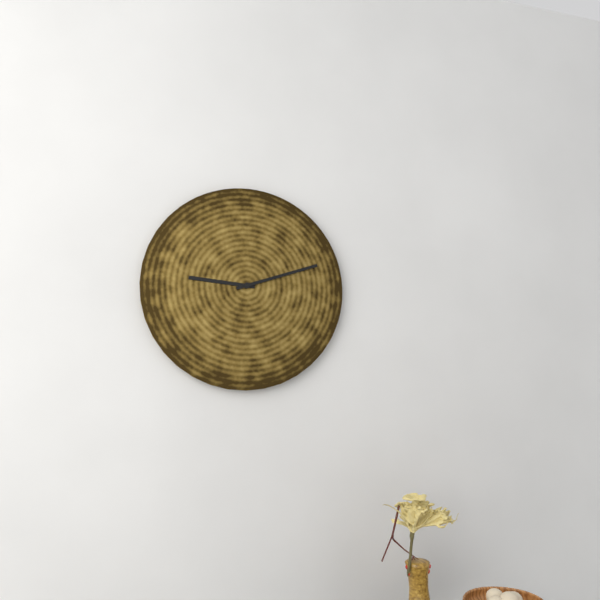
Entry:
9 h 12 min
